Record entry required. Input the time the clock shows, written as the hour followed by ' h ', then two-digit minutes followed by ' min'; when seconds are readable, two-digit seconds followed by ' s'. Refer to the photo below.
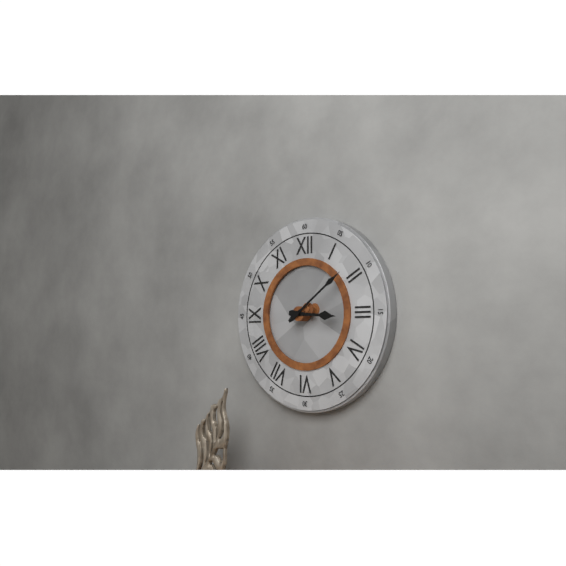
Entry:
3 h 09 min
